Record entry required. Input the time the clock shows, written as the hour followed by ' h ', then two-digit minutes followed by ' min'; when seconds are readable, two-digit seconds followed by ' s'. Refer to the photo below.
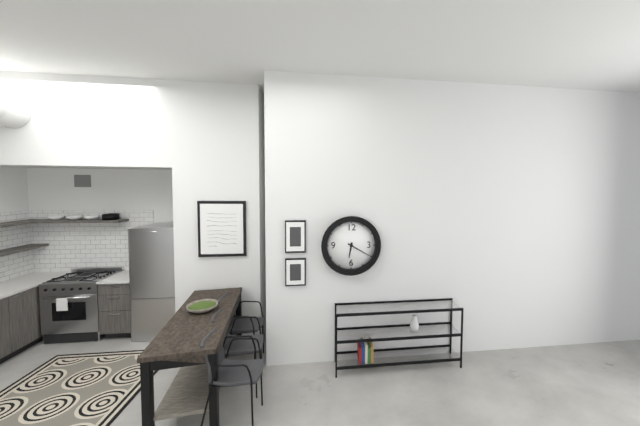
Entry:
6 h 20 min
